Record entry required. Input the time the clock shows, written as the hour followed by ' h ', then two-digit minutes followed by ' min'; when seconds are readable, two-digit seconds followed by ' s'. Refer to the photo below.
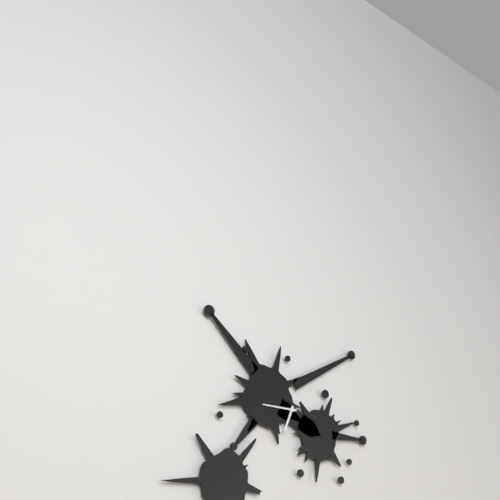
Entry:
6 h 45 min
